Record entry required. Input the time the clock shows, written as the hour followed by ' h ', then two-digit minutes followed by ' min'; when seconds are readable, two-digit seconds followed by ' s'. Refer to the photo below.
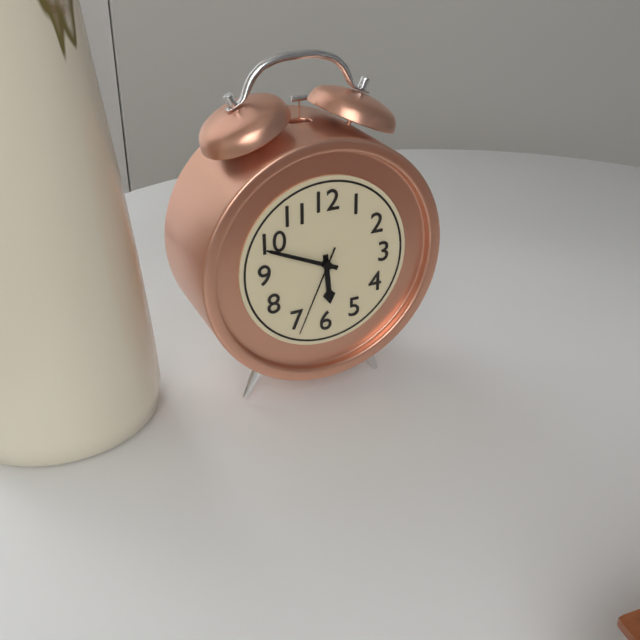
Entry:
5 h 49 min 34 s
